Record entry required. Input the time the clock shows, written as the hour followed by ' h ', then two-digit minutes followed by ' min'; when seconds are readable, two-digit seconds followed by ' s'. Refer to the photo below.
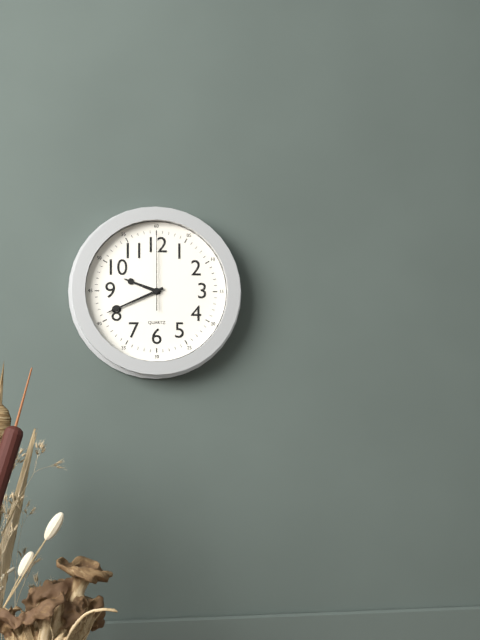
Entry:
9 h 41 min 00 s
